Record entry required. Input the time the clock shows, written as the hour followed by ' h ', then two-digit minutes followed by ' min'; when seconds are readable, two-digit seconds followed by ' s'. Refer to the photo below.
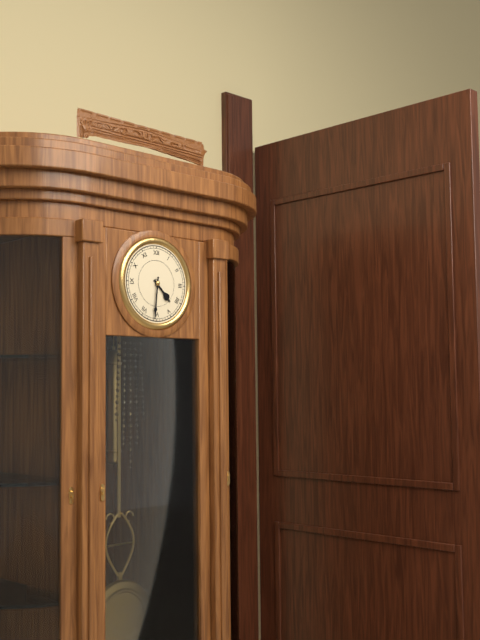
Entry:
4 h 31 min
